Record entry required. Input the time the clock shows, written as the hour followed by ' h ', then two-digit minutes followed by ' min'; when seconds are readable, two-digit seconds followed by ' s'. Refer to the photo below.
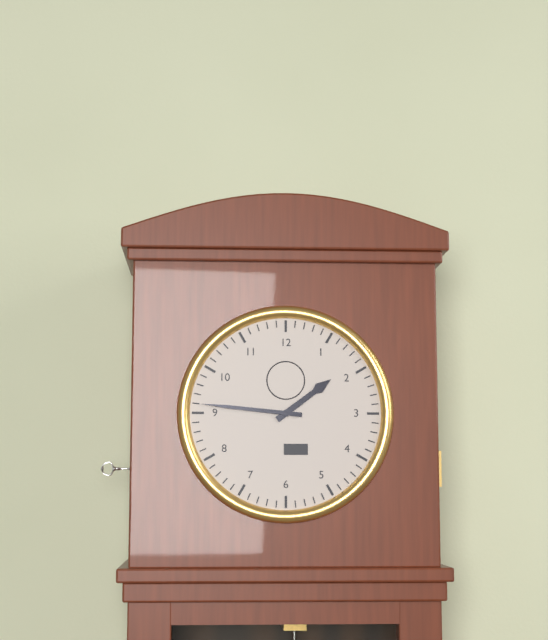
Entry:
1 h 46 min
